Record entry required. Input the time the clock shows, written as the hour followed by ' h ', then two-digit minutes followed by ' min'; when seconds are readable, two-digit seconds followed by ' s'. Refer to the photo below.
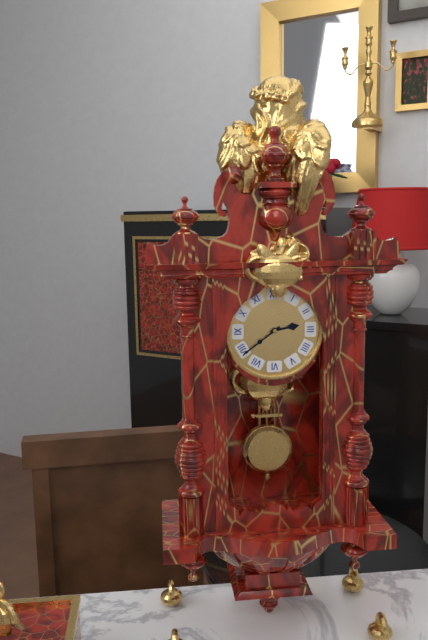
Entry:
2 h 39 min
